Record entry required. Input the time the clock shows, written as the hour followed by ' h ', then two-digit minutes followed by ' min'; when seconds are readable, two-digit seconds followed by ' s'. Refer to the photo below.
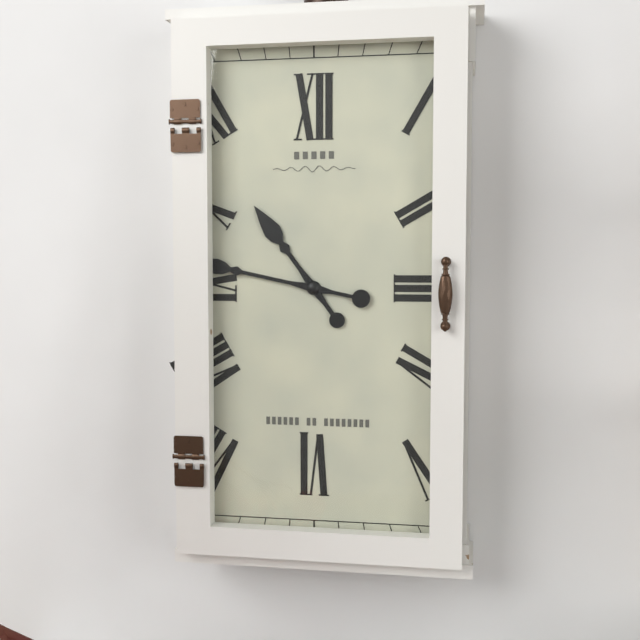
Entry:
10 h 47 min
